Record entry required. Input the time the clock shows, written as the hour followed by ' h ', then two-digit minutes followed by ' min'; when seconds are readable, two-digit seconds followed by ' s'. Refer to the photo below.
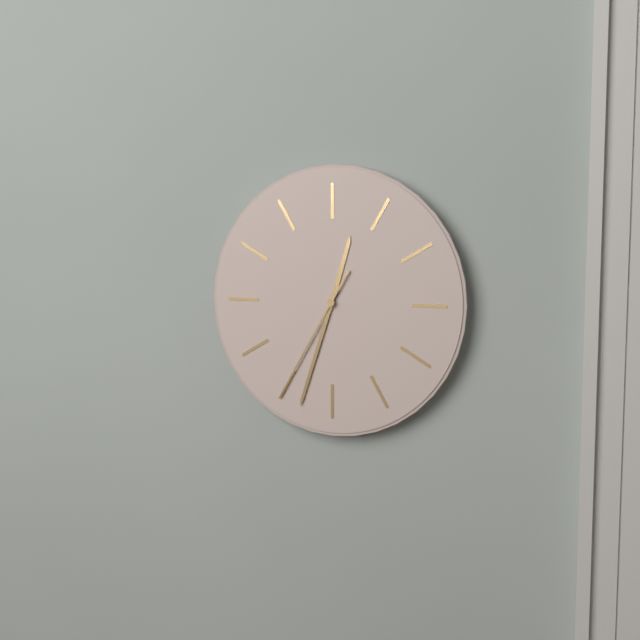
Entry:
12 h 33 min 35 s
